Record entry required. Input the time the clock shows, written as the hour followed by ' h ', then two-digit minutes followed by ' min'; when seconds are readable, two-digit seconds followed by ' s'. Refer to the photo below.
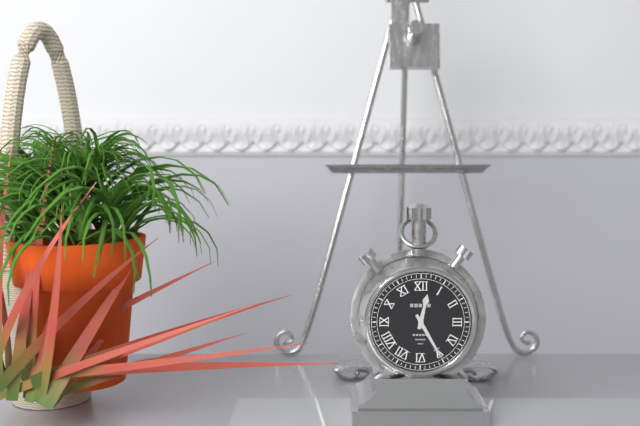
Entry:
12 h 25 min
